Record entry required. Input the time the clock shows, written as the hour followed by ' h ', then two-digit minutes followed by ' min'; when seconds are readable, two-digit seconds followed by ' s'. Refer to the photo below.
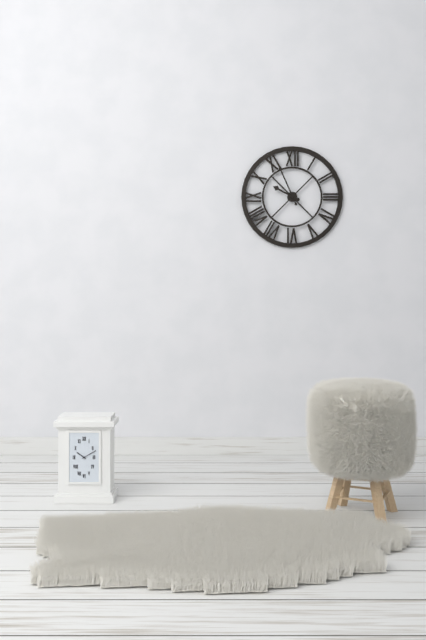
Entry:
9 h 56 min
